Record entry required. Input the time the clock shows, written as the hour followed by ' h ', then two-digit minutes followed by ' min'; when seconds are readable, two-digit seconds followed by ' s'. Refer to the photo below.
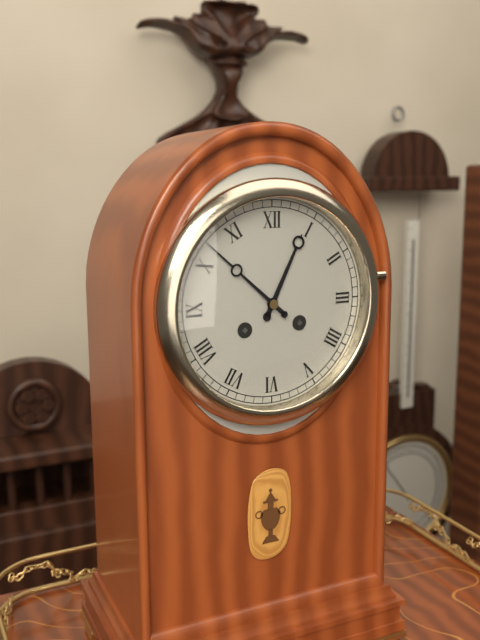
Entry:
12 h 52 min
